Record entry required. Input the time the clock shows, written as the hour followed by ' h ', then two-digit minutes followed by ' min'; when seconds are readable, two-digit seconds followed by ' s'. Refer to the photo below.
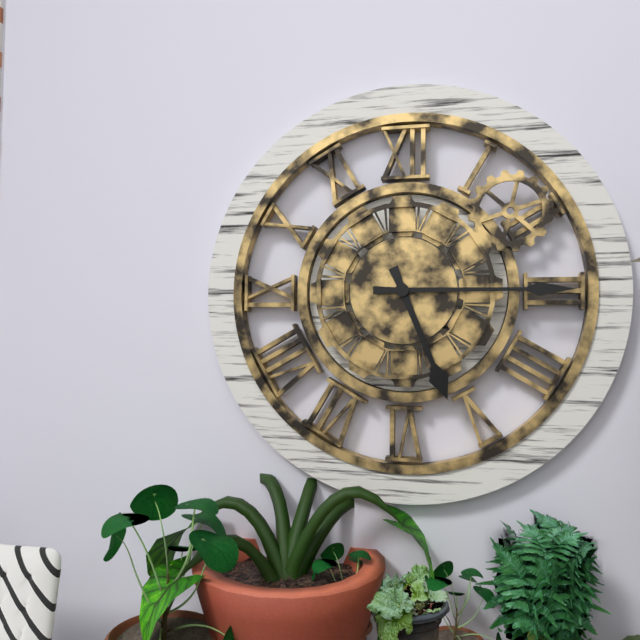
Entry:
5 h 15 min
